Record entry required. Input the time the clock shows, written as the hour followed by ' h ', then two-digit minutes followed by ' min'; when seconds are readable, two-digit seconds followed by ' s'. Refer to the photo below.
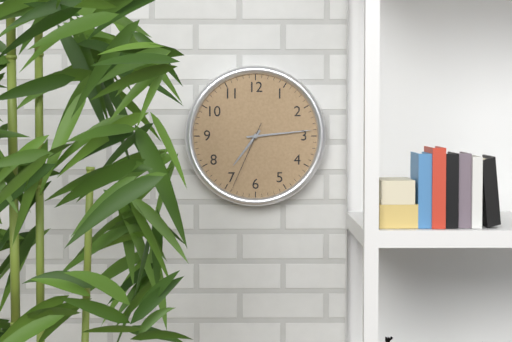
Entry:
7 h 14 min 34 s
